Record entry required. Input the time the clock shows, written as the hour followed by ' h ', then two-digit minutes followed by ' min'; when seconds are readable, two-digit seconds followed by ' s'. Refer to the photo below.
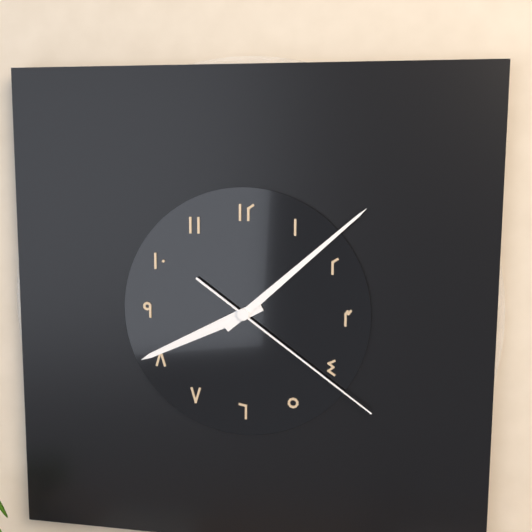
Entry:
8 h 08 min 21 s
